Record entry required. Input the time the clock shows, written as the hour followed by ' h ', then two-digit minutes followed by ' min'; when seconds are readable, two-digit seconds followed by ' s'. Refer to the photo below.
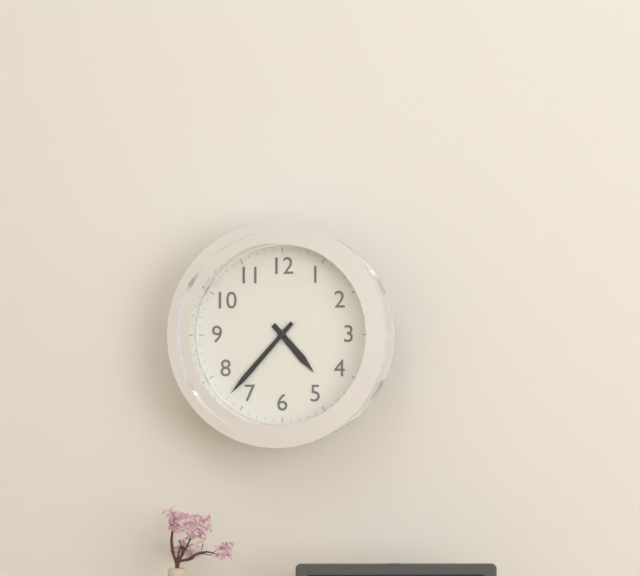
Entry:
4 h 37 min
